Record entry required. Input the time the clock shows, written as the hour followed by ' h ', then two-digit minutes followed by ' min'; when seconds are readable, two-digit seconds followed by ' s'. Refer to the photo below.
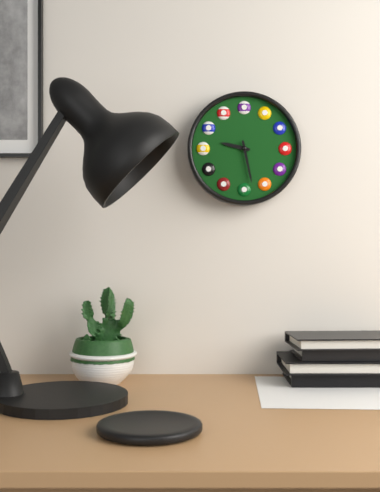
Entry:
9 h 28 min
